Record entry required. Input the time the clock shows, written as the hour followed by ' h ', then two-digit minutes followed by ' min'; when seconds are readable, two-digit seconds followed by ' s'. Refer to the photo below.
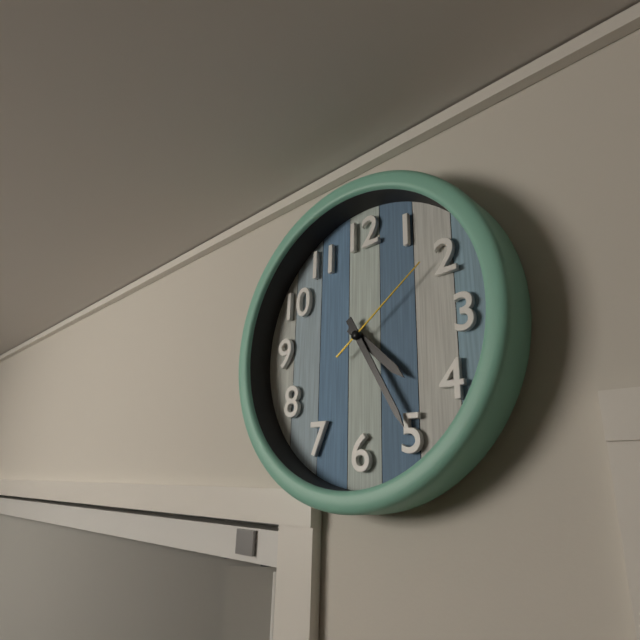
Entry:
4 h 25 min 09 s
